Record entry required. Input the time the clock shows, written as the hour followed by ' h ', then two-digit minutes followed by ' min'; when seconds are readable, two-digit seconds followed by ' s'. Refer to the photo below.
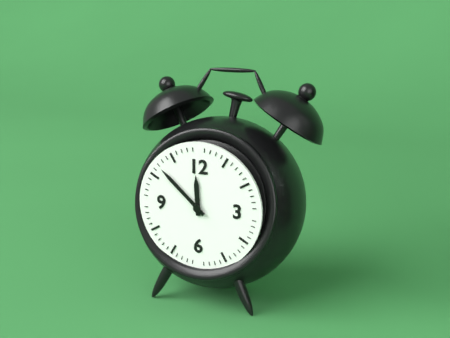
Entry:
11 h 52 min
